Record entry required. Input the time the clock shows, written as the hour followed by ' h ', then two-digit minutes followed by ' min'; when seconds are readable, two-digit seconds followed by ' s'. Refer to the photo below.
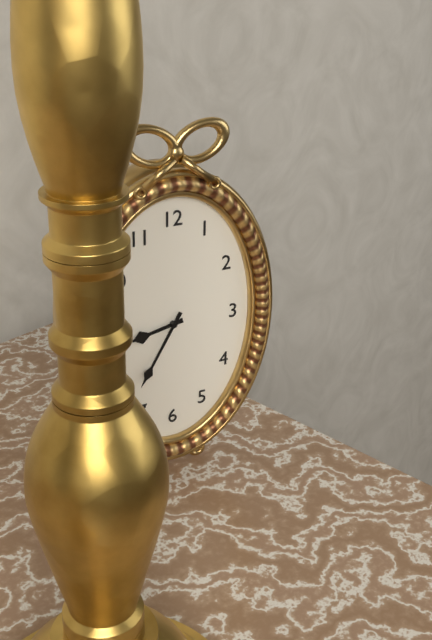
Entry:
8 h 35 min
